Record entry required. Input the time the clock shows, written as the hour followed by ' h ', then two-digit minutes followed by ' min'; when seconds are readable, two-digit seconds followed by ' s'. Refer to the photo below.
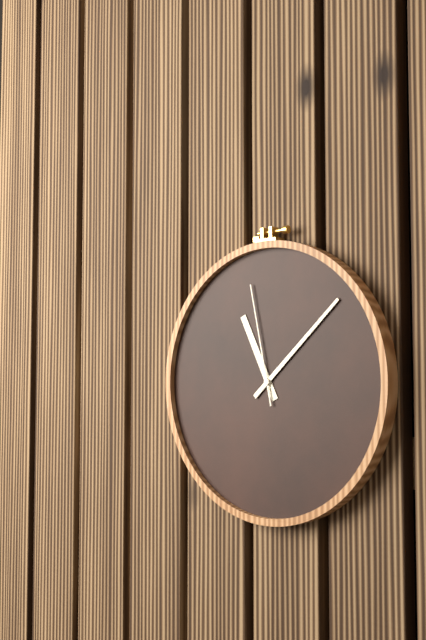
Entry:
11 h 08 min 58 s
